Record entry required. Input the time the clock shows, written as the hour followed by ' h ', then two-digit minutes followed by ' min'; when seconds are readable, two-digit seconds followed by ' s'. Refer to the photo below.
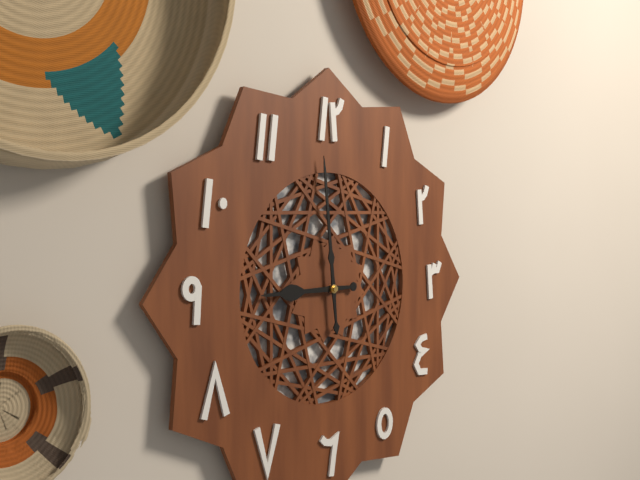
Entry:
8 h 59 min
